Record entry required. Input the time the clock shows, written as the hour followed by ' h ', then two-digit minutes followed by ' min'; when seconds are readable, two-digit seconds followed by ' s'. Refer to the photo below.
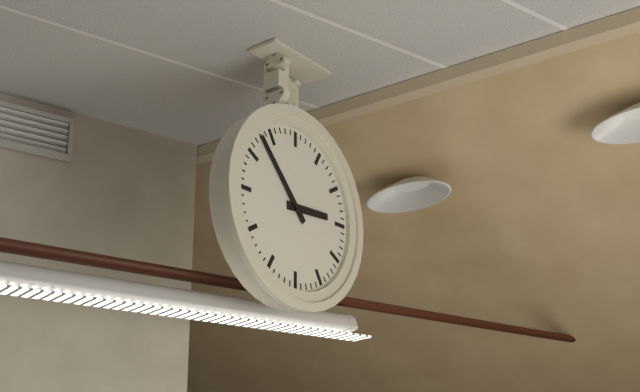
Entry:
2 h 53 min
